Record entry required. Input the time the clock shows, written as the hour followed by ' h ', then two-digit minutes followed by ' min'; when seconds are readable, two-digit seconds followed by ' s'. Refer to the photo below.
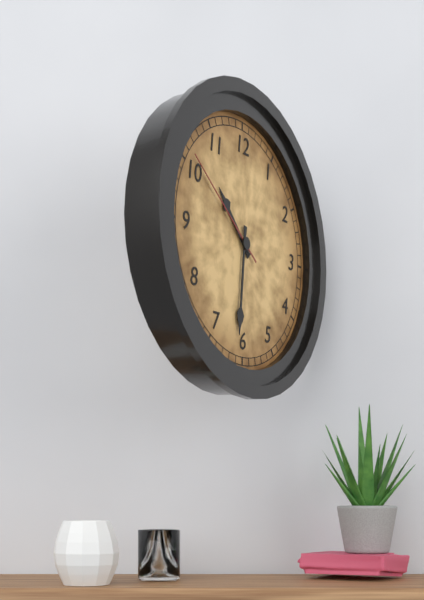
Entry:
10 h 31 min 51 s
